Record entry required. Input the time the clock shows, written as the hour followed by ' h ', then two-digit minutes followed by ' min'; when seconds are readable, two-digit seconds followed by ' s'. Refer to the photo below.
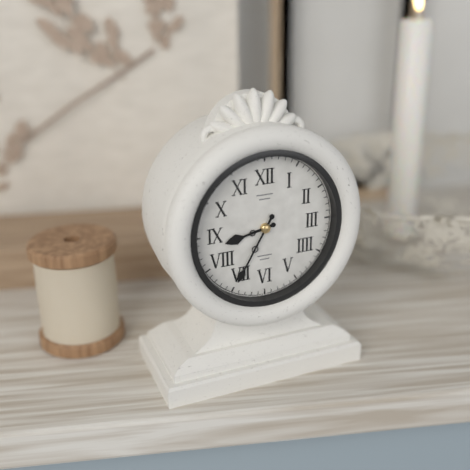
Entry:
8 h 35 min
